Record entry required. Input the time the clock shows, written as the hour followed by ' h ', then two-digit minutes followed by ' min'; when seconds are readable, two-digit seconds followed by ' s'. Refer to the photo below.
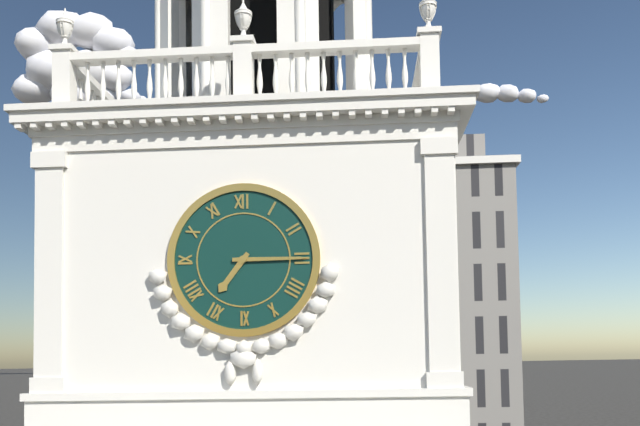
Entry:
7 h 15 min
